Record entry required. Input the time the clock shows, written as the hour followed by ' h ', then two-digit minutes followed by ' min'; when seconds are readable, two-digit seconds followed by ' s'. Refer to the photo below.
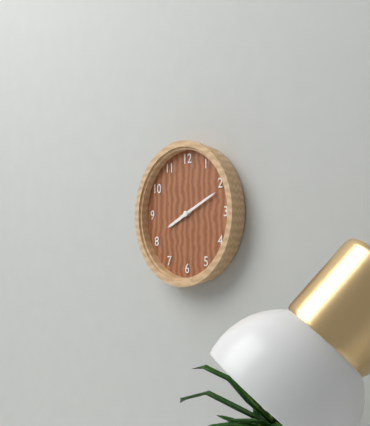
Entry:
8 h 11 min
